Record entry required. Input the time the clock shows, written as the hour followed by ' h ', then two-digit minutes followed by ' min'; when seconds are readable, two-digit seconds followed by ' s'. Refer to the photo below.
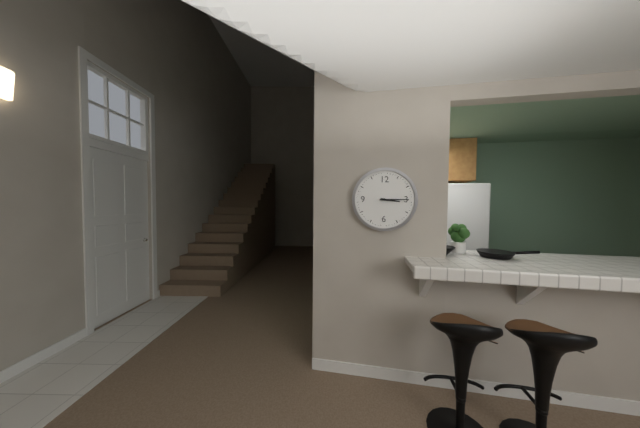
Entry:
3 h 15 min
